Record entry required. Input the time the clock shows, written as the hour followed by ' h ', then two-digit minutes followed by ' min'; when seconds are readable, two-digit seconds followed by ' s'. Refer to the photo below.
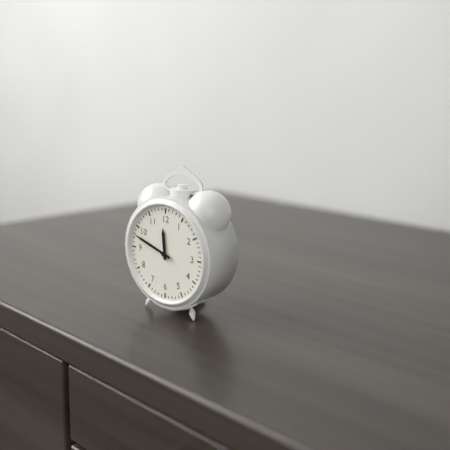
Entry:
11 h 48 min
